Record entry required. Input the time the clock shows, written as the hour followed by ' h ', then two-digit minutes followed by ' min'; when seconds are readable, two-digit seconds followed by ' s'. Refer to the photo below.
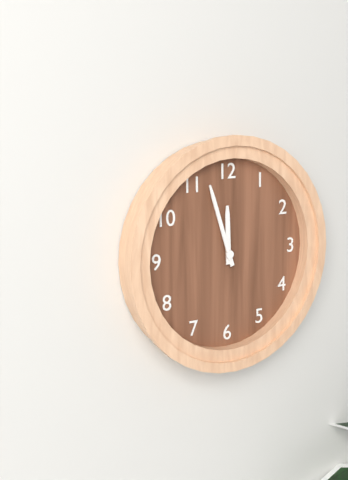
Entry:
11 h 57 min
